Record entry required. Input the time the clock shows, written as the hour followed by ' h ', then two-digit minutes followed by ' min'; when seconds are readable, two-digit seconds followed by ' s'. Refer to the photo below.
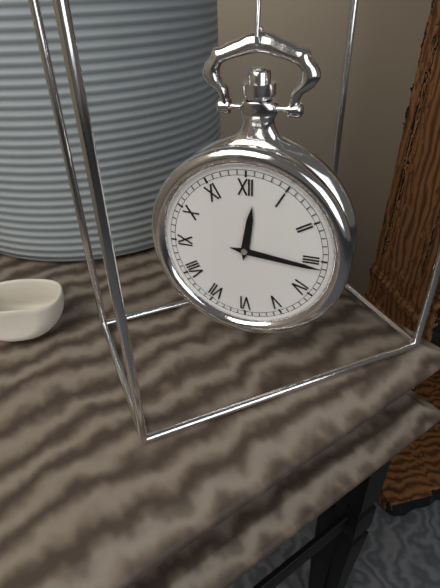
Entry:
12 h 16 min
